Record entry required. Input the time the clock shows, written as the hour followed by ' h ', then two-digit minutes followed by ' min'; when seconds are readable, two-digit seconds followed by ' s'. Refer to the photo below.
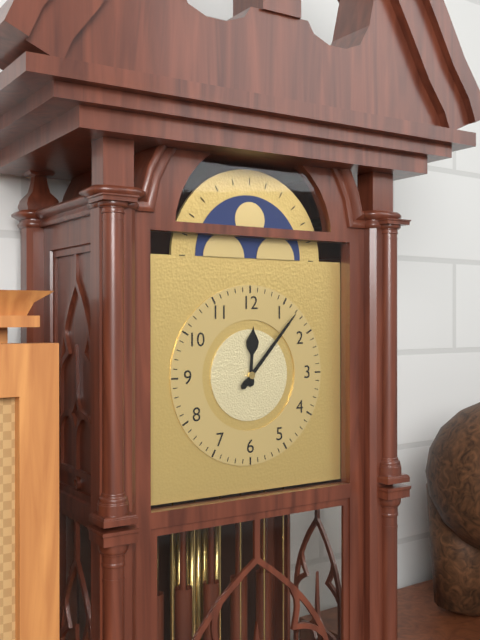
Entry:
12 h 07 min
